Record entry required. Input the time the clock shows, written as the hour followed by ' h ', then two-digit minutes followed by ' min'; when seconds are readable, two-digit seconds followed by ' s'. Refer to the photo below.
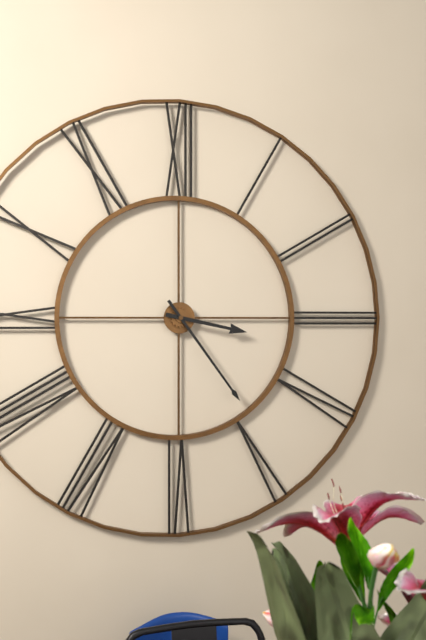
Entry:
3 h 24 min
